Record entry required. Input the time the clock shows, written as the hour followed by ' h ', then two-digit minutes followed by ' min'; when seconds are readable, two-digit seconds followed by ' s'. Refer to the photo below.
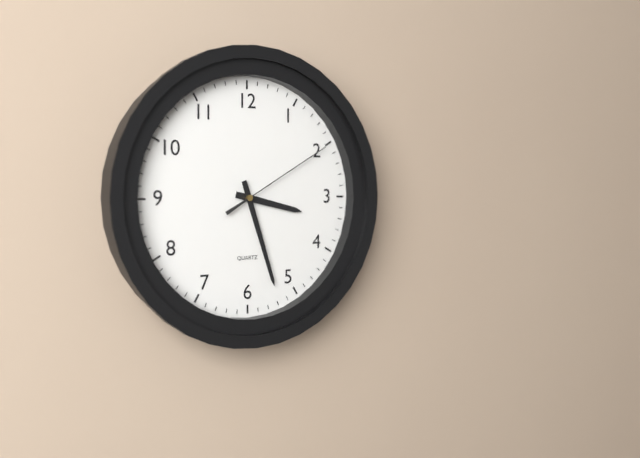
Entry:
3 h 27 min 10 s
